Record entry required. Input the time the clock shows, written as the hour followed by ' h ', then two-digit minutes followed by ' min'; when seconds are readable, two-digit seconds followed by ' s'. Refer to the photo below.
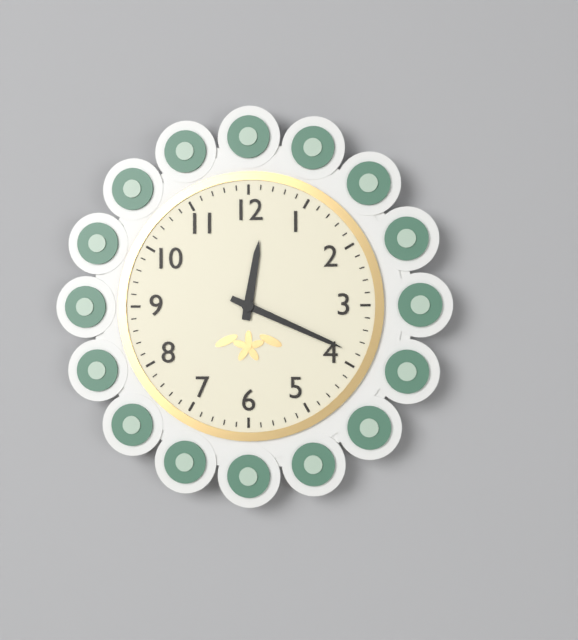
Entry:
12 h 19 min
